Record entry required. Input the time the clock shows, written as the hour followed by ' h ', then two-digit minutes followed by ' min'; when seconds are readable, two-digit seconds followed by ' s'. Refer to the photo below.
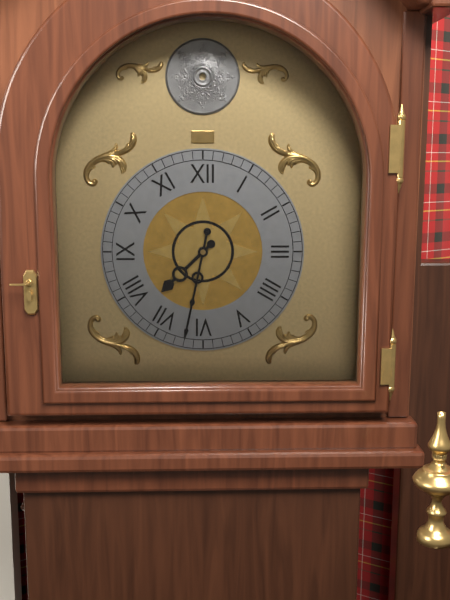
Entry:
7 h 32 min
